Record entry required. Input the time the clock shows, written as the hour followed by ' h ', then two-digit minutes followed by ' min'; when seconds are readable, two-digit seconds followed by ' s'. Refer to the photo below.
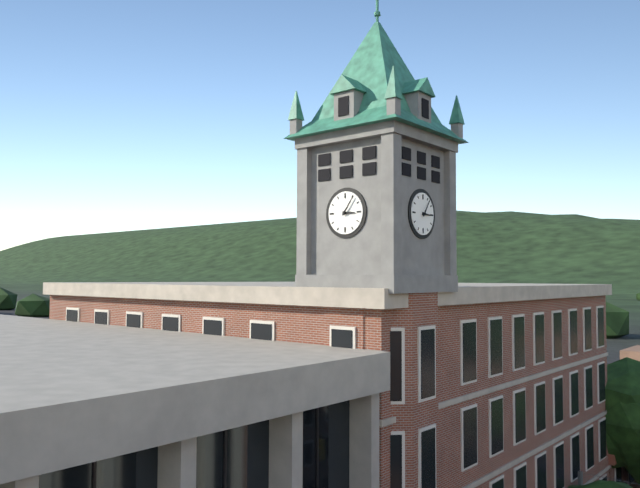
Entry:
3 h 06 min
